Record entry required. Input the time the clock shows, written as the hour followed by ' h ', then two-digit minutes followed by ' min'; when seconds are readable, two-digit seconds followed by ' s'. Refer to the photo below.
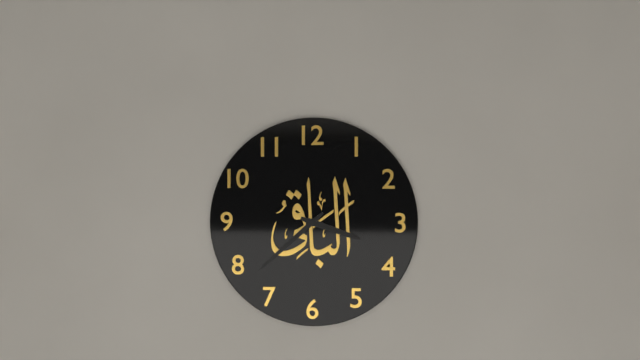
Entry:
3 h 38 min
